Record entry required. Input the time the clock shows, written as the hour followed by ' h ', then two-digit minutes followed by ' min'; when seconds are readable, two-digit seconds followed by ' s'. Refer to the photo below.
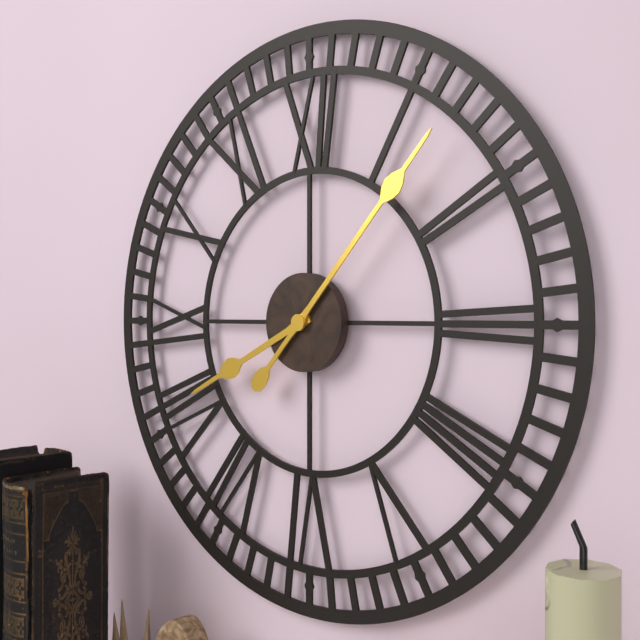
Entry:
8 h 07 min
